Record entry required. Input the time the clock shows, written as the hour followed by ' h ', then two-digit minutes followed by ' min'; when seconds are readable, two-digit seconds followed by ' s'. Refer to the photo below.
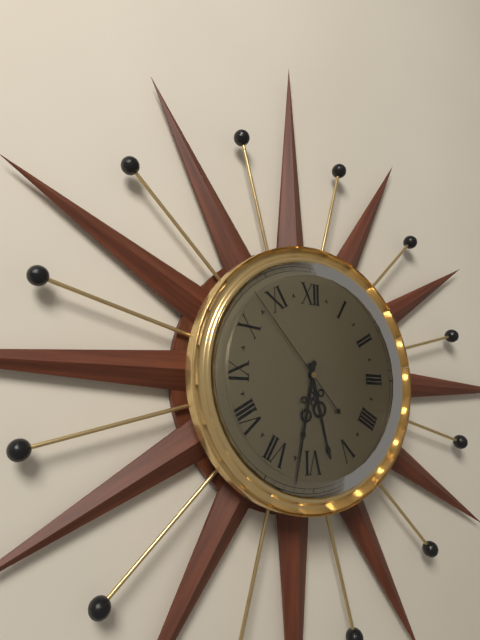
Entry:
5 h 32 min 53 s
